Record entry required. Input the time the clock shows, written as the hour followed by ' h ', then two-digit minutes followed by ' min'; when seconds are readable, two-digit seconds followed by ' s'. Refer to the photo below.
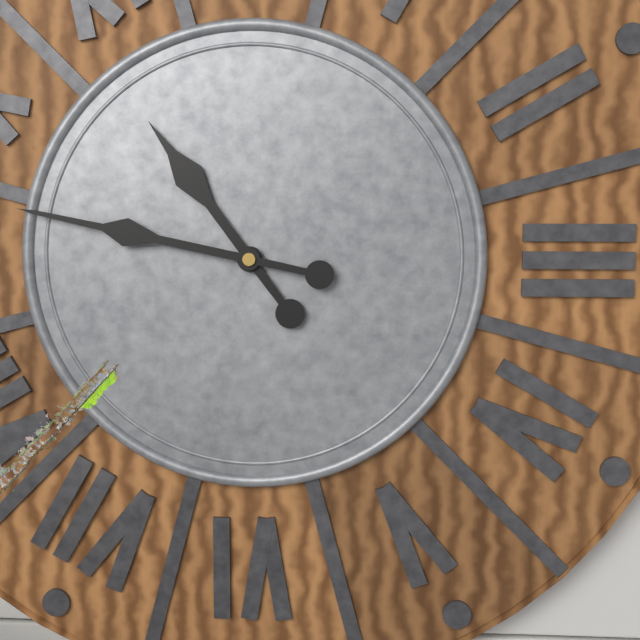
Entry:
10 h 47 min
